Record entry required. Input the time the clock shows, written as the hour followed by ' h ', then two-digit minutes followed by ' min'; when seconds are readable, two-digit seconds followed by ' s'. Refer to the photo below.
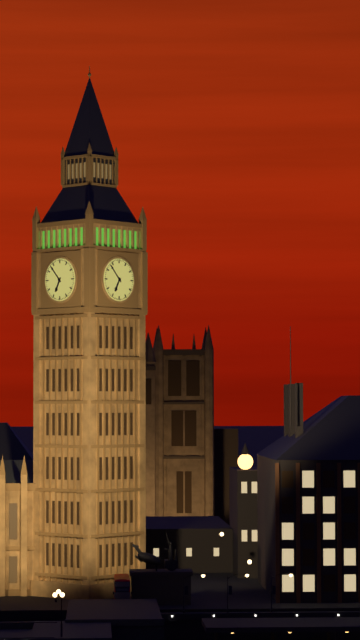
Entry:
6 h 53 min
